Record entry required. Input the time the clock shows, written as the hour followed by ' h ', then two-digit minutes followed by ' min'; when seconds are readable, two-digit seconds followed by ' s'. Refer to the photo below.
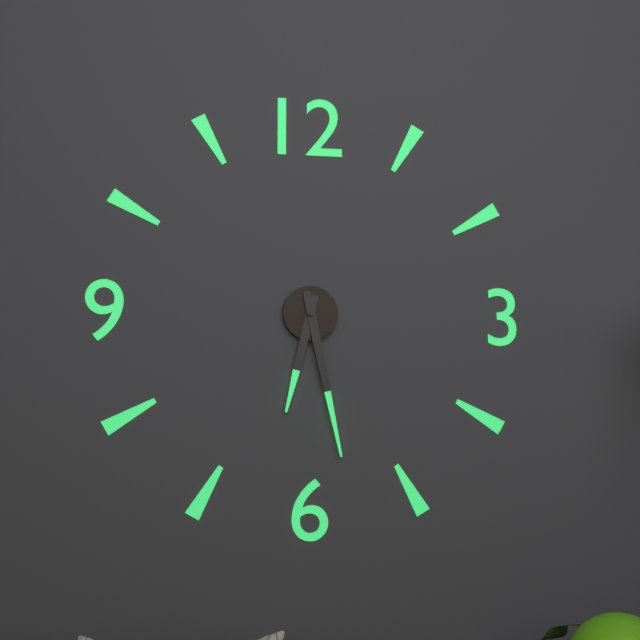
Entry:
6 h 28 min
